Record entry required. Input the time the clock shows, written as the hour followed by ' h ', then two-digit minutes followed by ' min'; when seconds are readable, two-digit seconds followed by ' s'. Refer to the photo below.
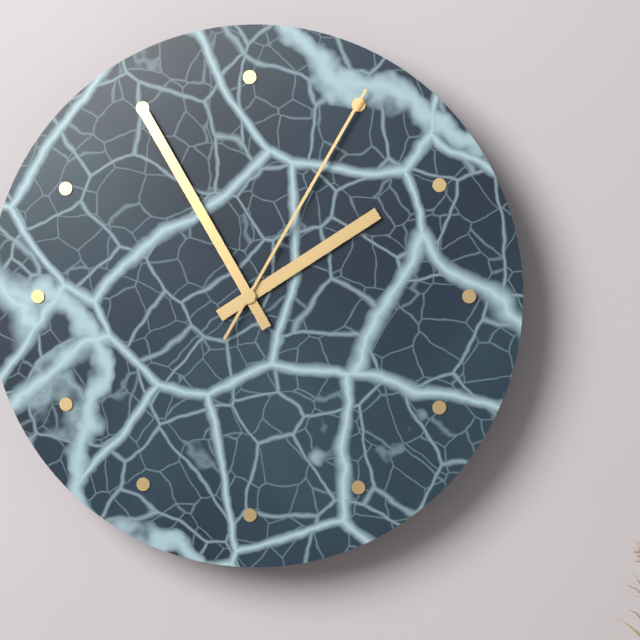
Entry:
1 h 55 min 05 s
